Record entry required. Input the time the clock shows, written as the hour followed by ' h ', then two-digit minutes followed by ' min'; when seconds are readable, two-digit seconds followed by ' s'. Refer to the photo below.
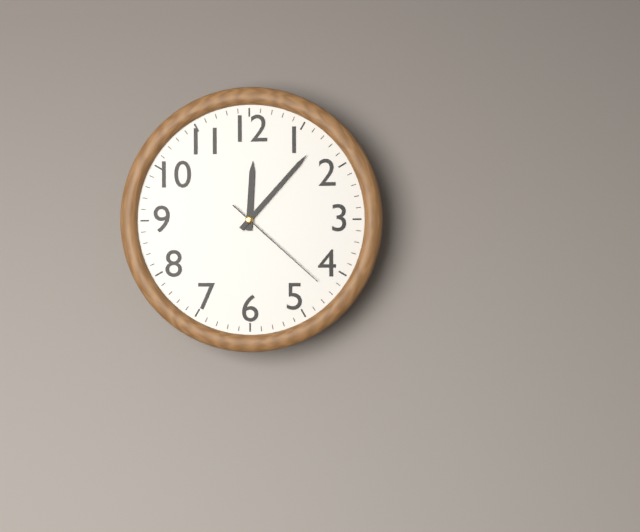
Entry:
12 h 07 min 22 s
